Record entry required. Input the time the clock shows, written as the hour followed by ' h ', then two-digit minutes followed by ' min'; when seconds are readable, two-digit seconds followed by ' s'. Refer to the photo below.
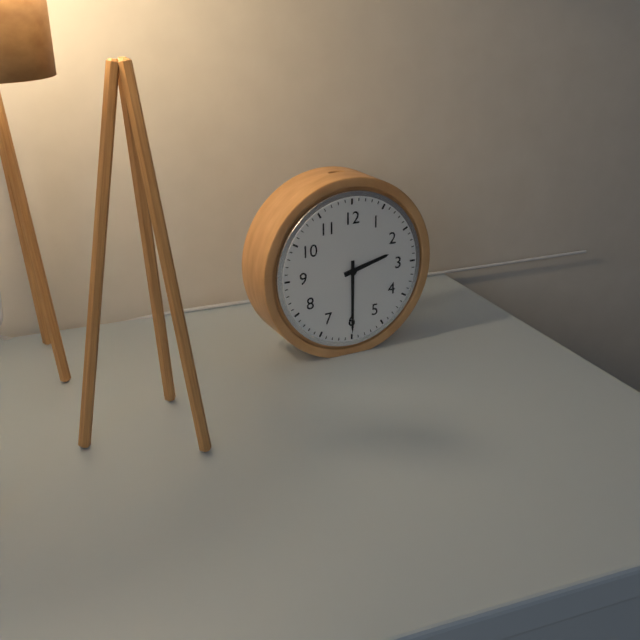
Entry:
2 h 30 min
